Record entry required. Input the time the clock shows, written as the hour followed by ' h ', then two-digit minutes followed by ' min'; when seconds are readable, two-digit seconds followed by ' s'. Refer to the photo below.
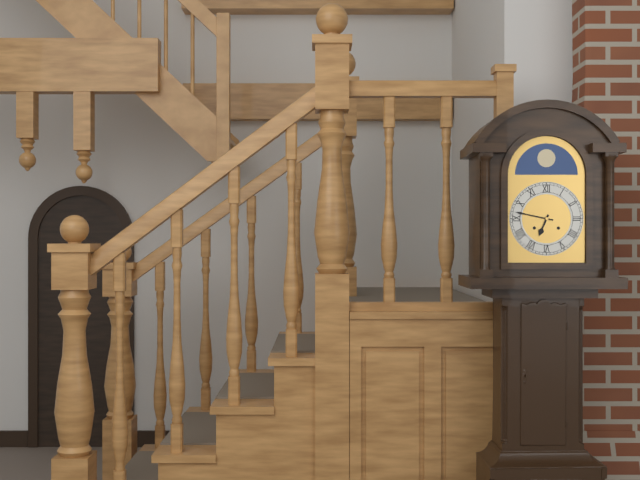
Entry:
6 h 47 min
